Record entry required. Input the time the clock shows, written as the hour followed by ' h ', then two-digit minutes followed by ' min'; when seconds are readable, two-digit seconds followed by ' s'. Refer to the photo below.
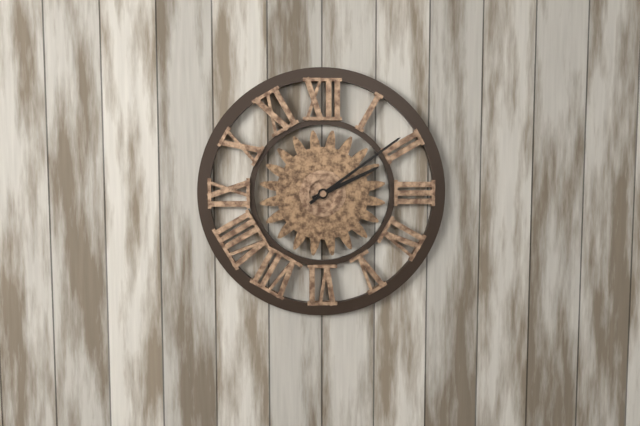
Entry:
2 h 09 min
